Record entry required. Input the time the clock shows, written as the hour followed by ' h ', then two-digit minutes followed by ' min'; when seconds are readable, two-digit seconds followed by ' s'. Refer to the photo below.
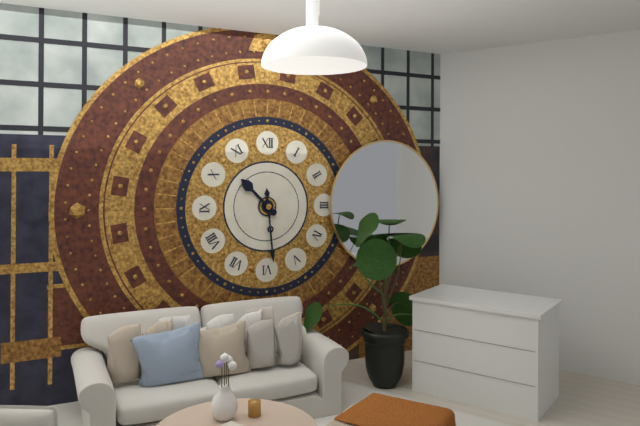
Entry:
10 h 29 min
